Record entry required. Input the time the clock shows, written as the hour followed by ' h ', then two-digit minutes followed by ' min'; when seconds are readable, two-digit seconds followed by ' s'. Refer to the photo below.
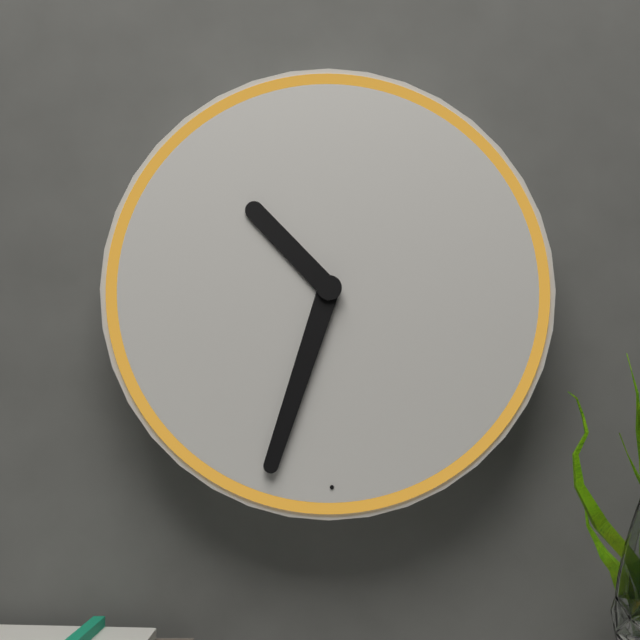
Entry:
10 h 33 min
